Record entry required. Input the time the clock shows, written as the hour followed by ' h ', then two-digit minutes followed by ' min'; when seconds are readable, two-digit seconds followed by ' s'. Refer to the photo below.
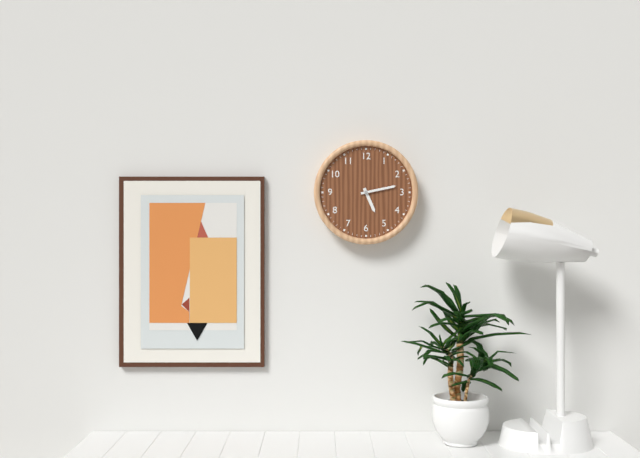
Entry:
5 h 13 min
